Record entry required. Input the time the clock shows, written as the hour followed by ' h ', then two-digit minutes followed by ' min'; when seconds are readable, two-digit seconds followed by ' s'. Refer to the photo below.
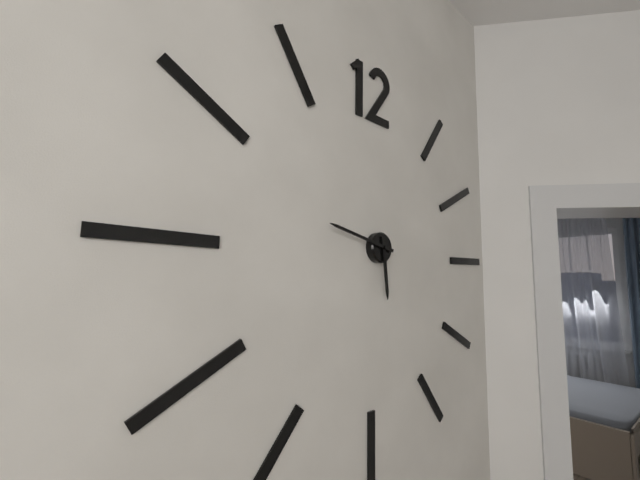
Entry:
5 h 47 min
